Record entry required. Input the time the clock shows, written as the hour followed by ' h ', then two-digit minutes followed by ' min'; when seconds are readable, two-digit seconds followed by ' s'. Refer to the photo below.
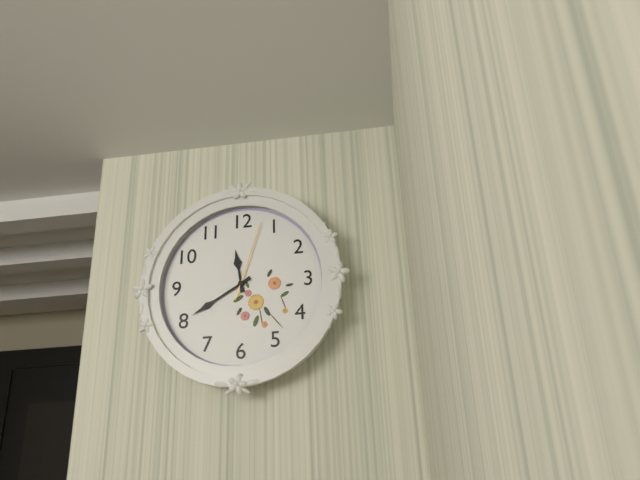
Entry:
11 h 40 min 03 s
